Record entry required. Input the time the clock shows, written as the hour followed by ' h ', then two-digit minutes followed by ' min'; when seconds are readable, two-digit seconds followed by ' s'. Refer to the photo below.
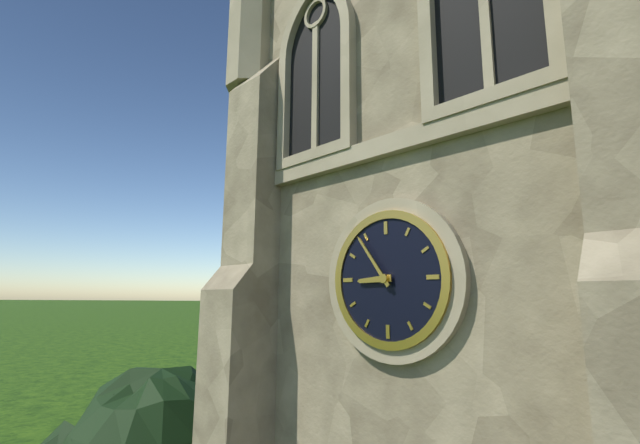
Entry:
8 h 54 min
